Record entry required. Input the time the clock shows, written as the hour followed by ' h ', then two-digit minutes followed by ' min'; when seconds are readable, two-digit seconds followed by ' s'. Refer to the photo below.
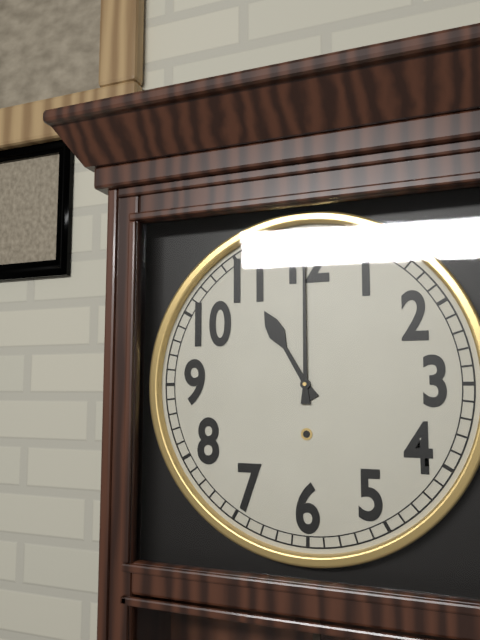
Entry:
11 h 00 min
